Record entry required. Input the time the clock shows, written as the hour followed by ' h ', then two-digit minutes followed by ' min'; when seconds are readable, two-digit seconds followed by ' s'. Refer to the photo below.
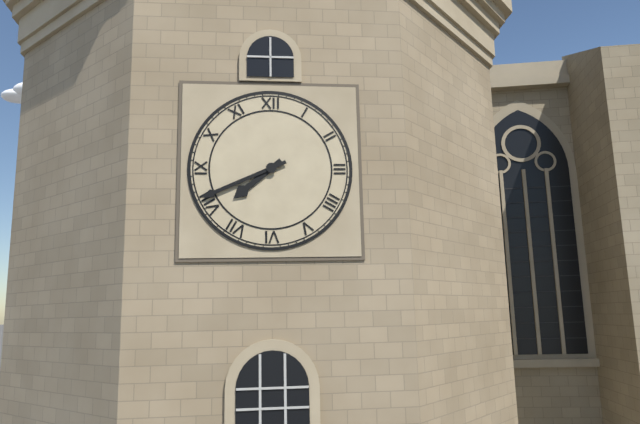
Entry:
7 h 41 min
